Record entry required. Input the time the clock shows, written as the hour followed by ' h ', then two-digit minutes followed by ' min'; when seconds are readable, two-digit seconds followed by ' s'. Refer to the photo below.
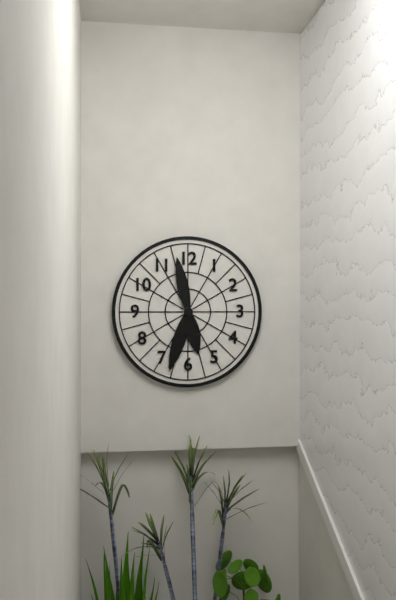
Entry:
5 h 33 min 58 s
